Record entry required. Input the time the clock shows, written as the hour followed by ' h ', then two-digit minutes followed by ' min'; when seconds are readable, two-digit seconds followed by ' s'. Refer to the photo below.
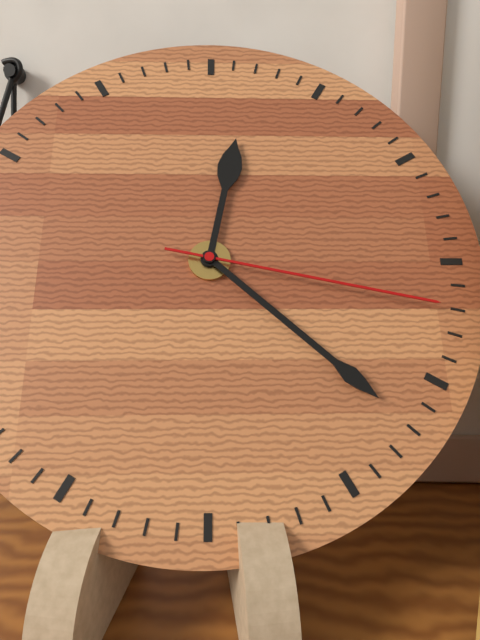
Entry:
12 h 22 min 17 s
